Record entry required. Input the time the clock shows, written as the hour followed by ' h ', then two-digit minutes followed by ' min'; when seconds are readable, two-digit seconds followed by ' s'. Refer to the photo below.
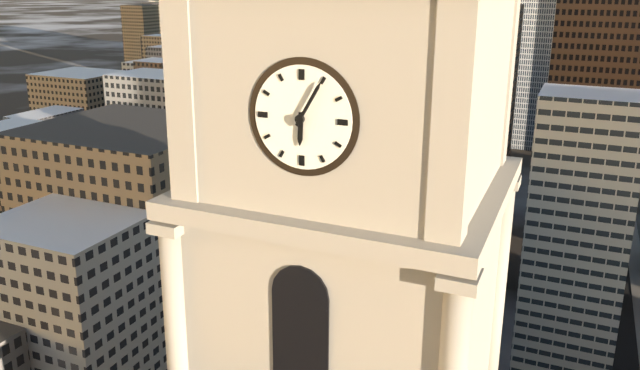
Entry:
6 h 05 min
